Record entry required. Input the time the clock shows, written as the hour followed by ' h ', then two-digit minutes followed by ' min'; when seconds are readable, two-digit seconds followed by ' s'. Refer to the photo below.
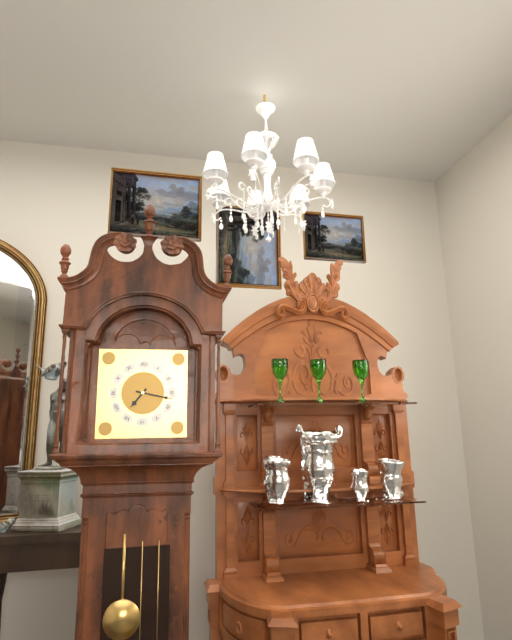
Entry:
7 h 17 min
